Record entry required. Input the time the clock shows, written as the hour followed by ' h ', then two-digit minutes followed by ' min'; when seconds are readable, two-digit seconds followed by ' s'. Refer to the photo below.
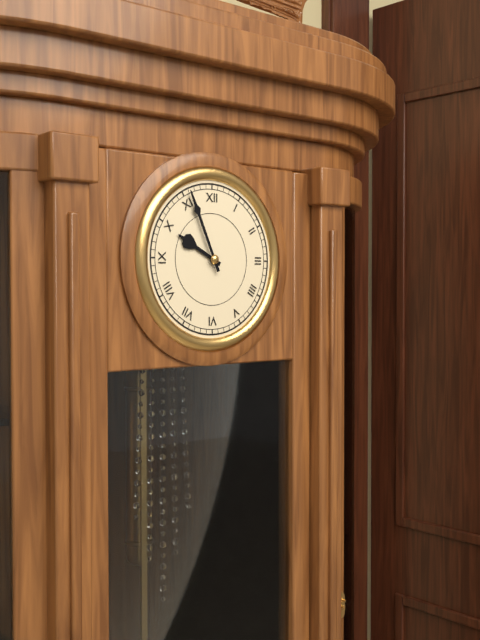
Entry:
9 h 56 min
